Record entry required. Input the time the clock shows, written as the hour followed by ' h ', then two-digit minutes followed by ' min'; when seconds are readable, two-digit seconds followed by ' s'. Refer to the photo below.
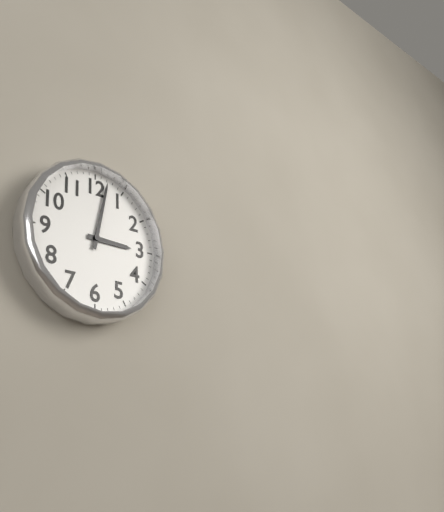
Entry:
3 h 02 min
